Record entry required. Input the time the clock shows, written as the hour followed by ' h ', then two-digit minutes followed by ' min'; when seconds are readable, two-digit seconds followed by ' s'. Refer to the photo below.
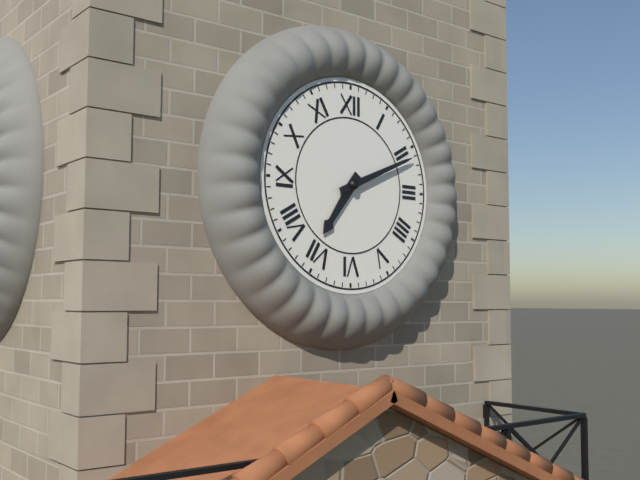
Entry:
7 h 11 min
